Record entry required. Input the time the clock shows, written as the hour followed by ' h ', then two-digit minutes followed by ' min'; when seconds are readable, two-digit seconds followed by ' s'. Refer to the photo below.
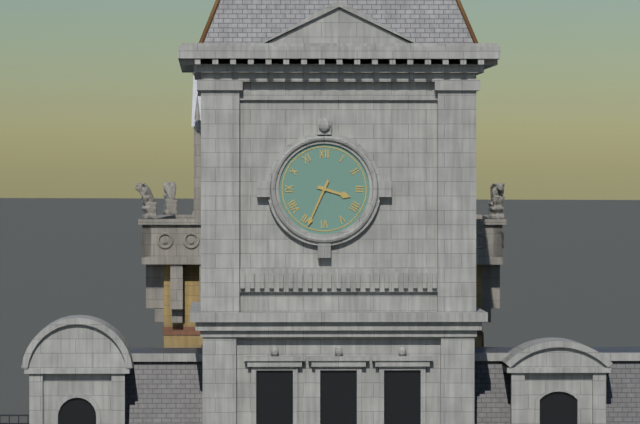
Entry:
3 h 34 min
